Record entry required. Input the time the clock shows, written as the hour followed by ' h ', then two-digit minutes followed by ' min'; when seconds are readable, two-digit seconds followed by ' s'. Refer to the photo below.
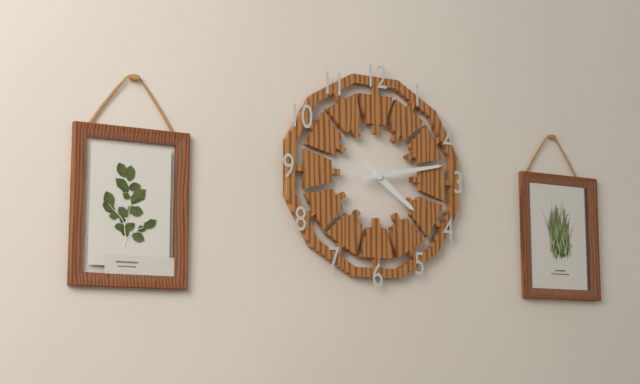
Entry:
4 h 13 min
